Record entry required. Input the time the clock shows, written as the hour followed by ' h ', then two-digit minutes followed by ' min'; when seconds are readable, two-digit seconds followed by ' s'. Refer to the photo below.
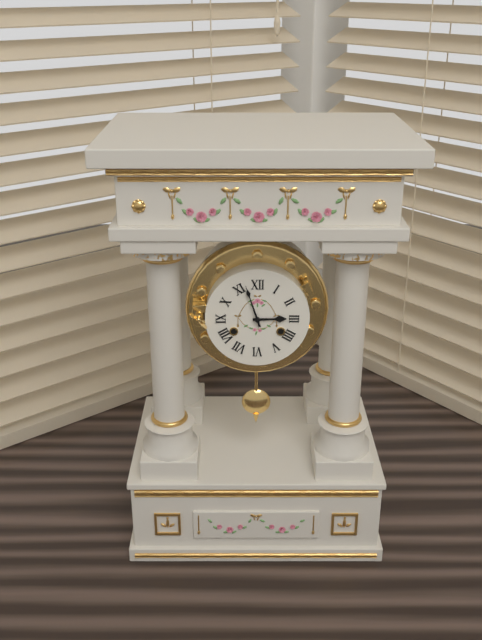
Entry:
2 h 57 min
